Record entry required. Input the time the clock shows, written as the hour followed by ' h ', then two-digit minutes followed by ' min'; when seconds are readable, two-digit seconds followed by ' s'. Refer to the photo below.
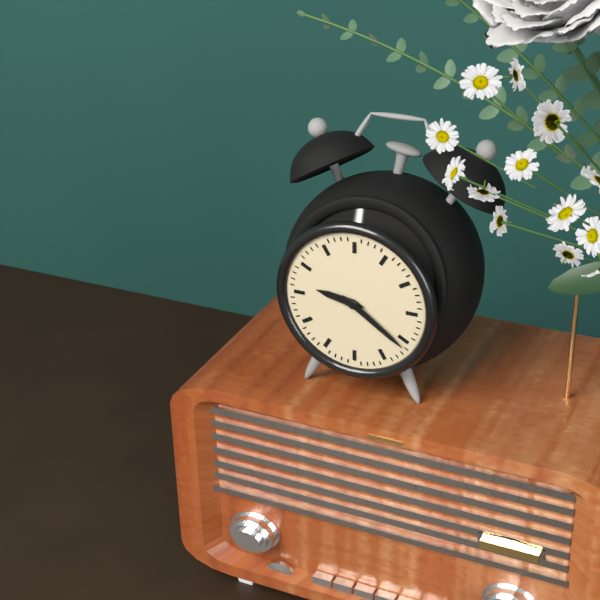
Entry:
9 h 21 min
